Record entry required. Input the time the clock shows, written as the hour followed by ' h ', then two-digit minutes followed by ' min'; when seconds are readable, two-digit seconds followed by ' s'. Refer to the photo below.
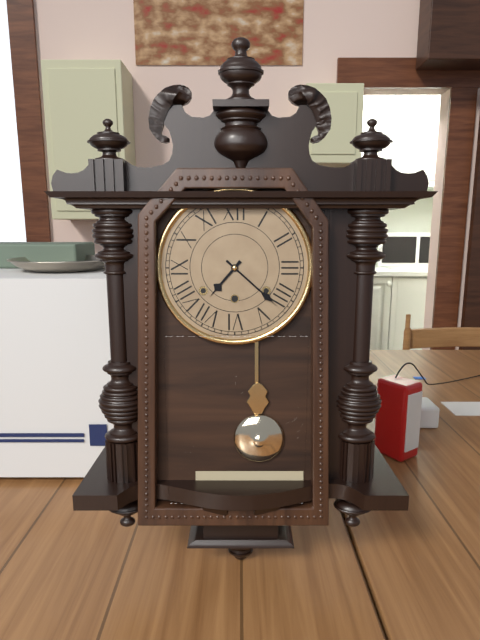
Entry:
7 h 22 min
